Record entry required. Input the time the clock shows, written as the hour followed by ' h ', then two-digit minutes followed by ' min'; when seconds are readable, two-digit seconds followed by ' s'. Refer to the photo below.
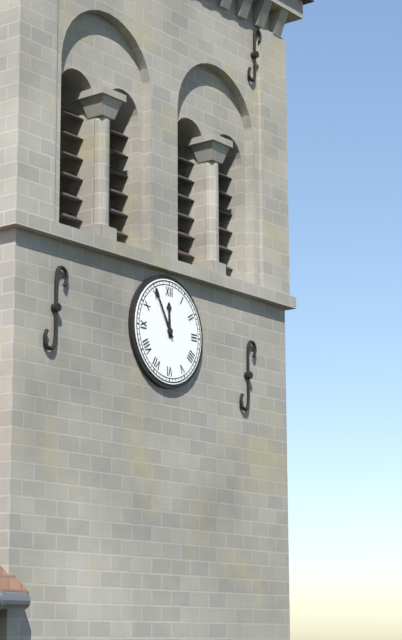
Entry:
11 h 55 min
